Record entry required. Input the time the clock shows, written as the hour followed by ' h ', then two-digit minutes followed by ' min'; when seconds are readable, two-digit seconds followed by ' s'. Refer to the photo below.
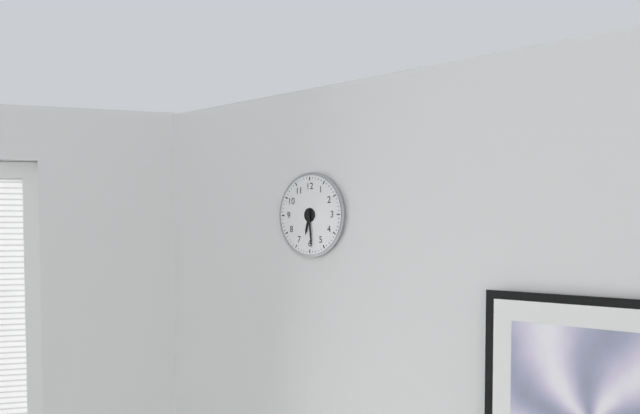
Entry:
6 h 29 min
